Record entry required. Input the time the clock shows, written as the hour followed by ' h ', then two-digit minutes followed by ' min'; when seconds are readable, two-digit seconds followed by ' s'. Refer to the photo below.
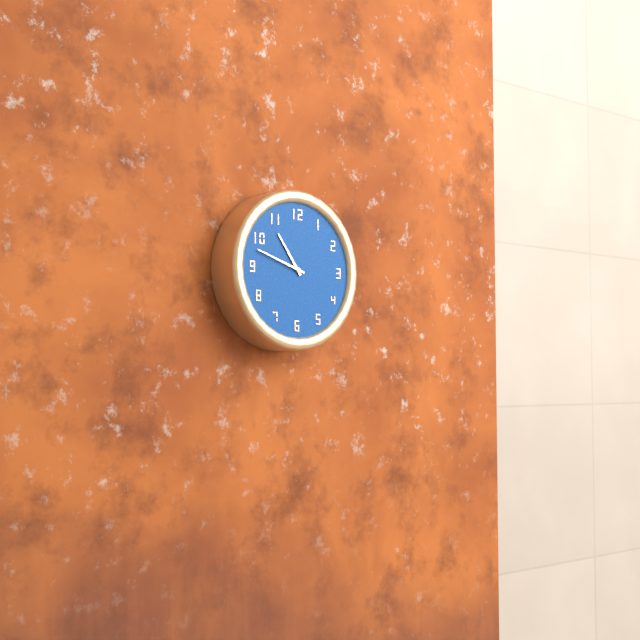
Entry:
10 h 48 min
